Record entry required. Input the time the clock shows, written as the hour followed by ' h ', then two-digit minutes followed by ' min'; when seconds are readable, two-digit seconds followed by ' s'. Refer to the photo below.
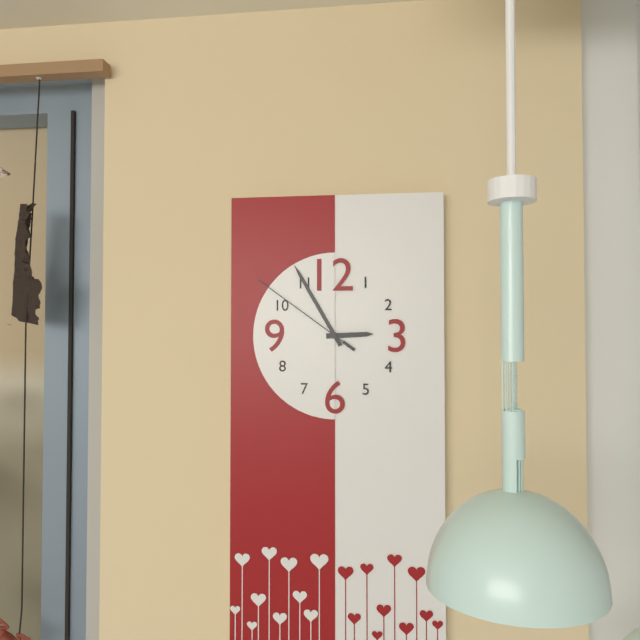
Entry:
2 h 55 min 51 s
